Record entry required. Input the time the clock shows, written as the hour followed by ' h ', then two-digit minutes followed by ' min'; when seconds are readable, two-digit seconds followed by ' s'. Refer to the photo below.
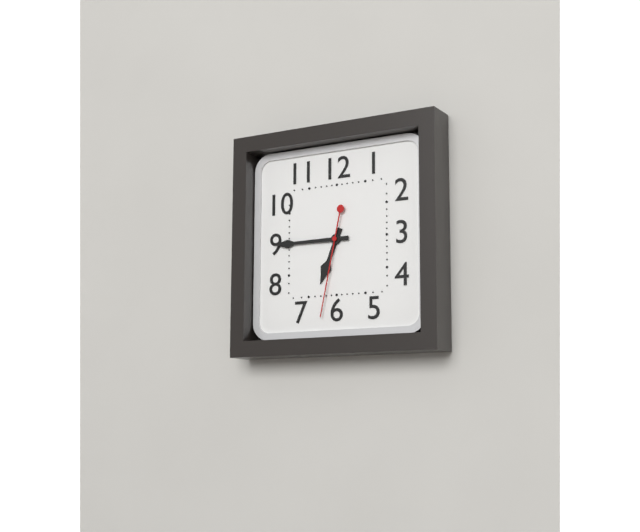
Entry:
6 h 45 min 32 s
